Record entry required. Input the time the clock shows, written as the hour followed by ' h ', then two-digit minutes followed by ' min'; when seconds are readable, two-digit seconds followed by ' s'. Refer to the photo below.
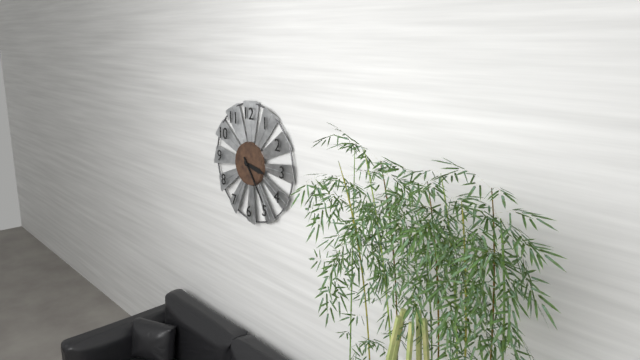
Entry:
3 h 24 min
